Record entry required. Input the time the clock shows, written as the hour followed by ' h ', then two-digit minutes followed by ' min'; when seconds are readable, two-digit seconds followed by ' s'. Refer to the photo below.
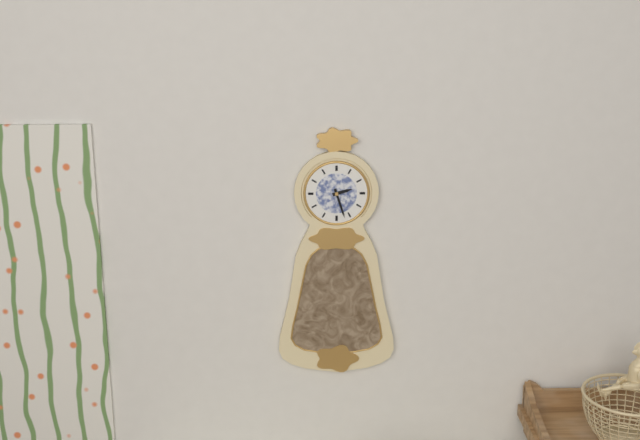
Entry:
2 h 27 min
